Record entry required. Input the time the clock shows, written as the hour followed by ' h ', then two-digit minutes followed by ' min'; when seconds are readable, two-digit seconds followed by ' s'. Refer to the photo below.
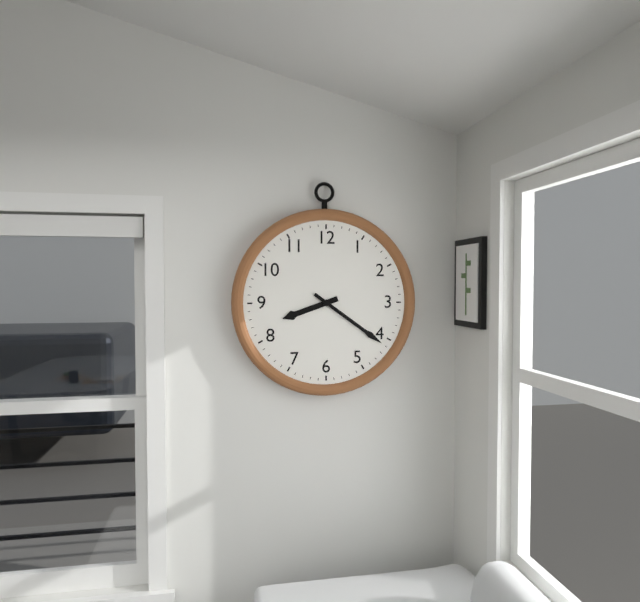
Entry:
8 h 21 min
